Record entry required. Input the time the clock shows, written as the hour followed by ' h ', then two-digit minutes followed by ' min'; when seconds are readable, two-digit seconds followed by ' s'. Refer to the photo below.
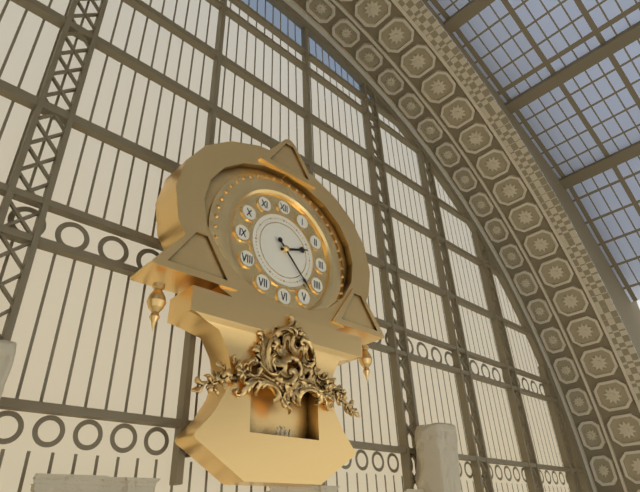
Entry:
2 h 23 min
